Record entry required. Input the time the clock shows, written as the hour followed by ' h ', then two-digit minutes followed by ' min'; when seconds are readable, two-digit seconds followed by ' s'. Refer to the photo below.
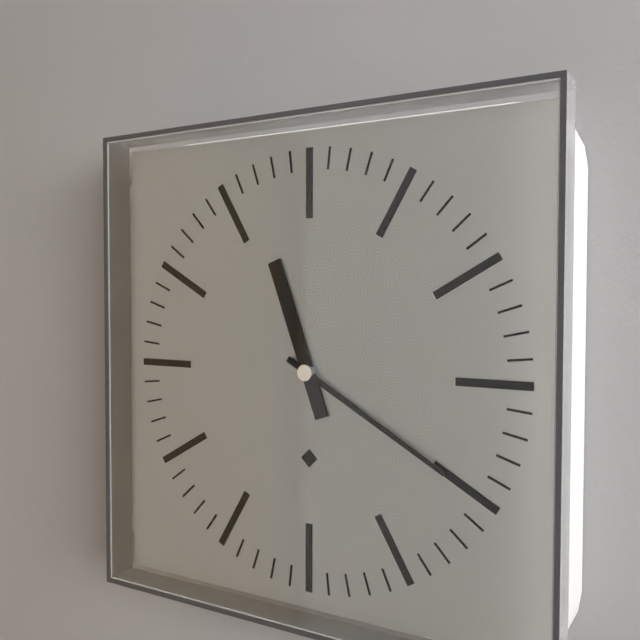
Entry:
11 h 20 min
